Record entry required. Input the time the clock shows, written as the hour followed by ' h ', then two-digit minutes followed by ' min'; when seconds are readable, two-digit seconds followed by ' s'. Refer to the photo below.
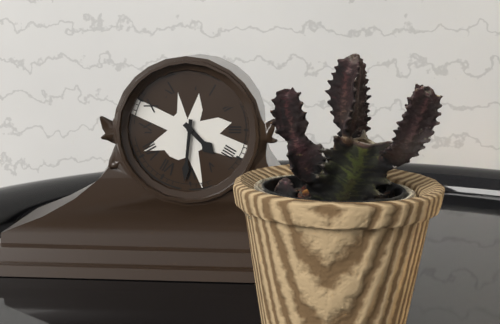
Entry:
4 h 31 min
